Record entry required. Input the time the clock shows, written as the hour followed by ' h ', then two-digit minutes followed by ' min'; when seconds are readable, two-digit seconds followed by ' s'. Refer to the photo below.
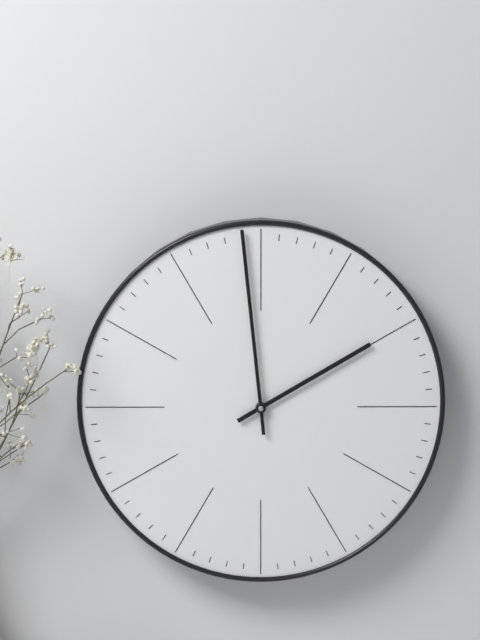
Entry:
1 h 59 min
